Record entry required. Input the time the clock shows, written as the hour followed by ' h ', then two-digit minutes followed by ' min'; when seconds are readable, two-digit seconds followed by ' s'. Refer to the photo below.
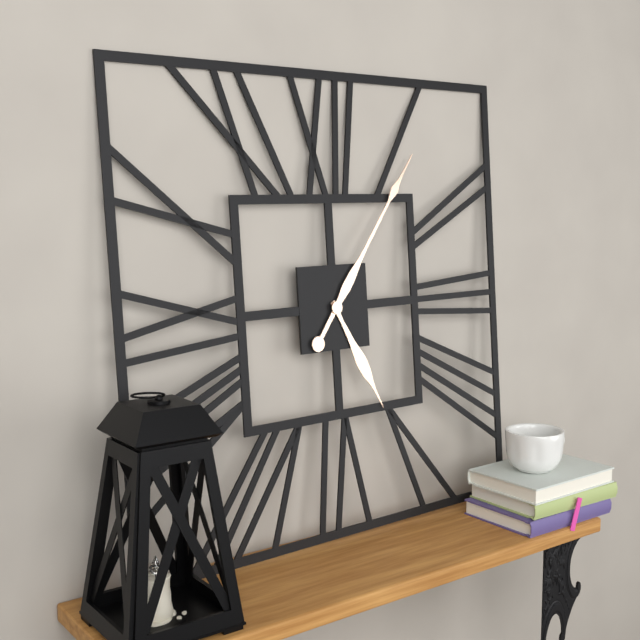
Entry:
5 h 06 min
